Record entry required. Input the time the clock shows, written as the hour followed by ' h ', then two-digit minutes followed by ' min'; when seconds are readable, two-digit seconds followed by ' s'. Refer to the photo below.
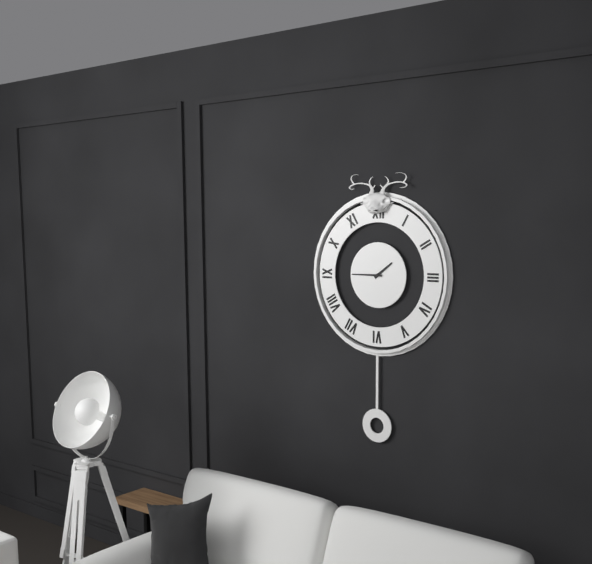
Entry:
1 h 45 min
